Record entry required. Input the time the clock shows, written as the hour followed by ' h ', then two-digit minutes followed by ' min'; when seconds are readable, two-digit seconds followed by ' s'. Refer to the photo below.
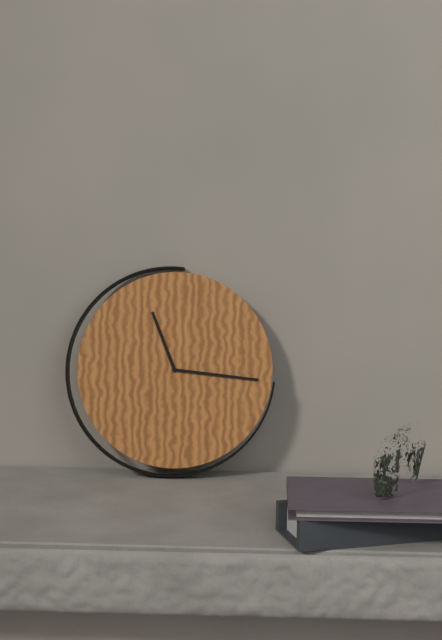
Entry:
11 h 16 min
